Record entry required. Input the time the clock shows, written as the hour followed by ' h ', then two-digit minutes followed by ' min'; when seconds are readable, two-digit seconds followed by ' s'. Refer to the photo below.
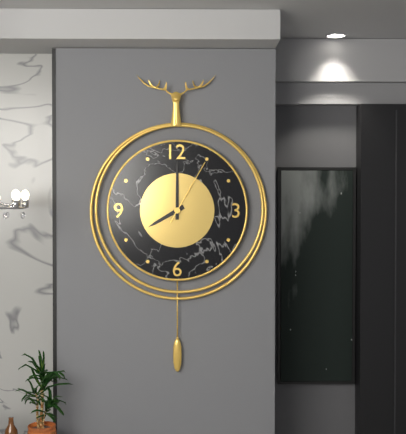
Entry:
8 h 00 min 05 s
